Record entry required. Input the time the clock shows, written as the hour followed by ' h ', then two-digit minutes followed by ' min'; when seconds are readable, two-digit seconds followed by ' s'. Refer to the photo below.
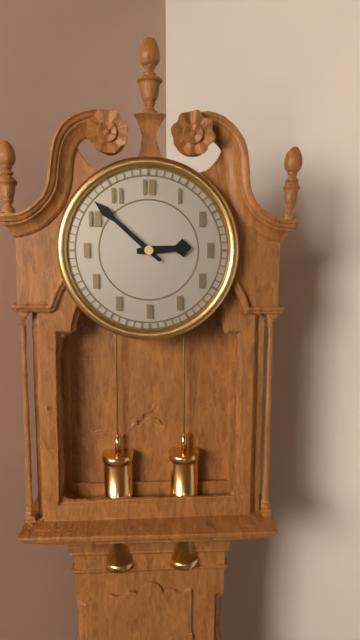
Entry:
2 h 52 min
